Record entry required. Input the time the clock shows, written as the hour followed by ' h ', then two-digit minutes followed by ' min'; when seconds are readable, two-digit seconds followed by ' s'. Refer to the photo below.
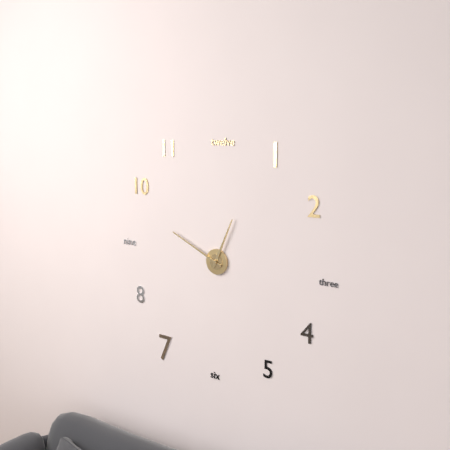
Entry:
12 h 49 min
